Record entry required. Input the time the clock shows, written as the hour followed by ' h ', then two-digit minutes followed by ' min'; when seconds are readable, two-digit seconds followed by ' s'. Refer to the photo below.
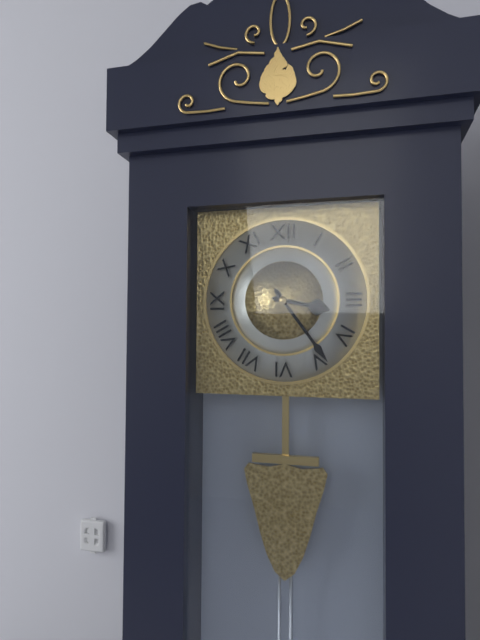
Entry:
3 h 24 min
